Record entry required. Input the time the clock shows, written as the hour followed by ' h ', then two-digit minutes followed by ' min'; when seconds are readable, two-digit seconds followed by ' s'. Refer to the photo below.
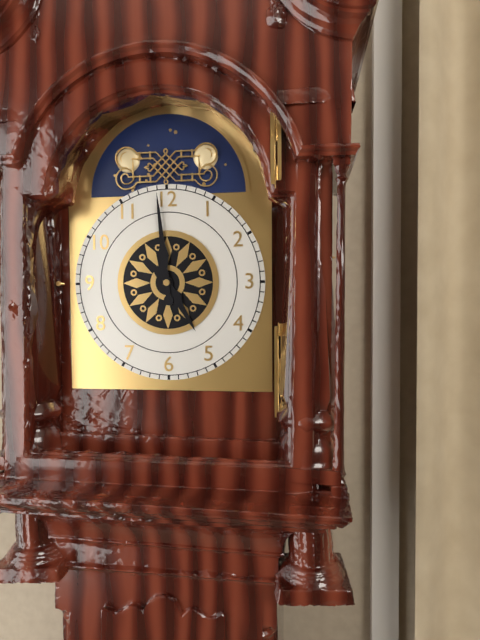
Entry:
4 h 59 min
